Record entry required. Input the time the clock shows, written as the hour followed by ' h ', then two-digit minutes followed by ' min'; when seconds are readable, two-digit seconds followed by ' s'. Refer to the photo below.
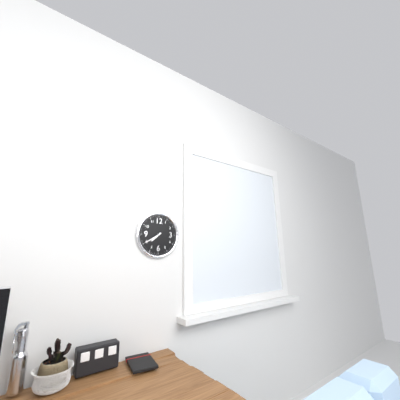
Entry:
7 h 40 min
